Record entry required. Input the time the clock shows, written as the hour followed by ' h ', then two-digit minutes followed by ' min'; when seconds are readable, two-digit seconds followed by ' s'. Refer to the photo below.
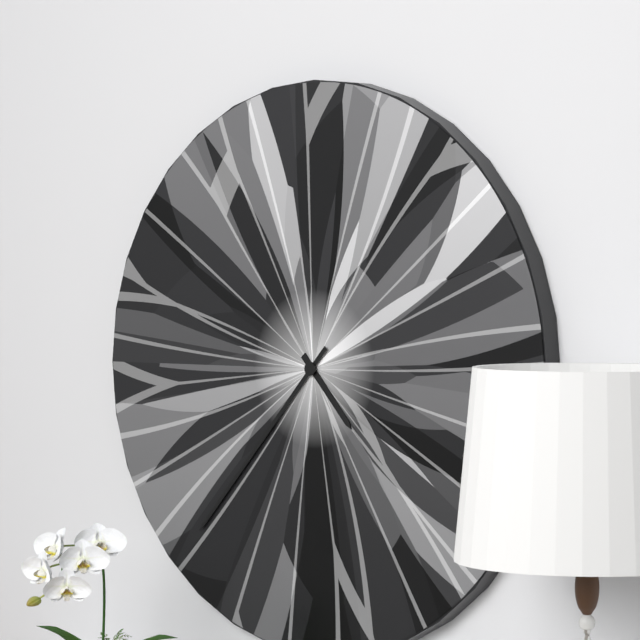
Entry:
4 h 37 min
